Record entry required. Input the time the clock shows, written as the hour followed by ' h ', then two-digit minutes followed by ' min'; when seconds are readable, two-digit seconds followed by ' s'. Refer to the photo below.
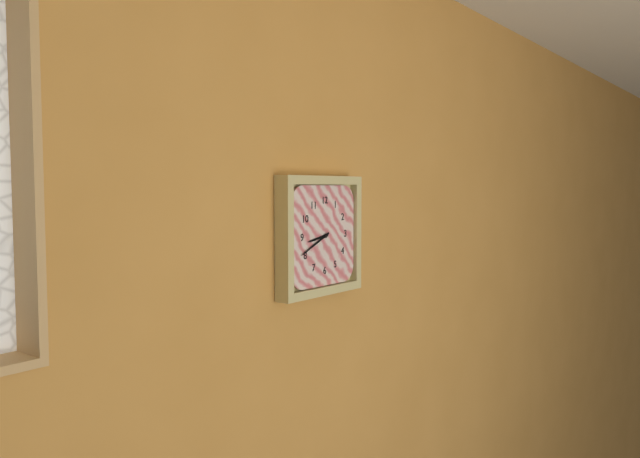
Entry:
8 h 41 min
